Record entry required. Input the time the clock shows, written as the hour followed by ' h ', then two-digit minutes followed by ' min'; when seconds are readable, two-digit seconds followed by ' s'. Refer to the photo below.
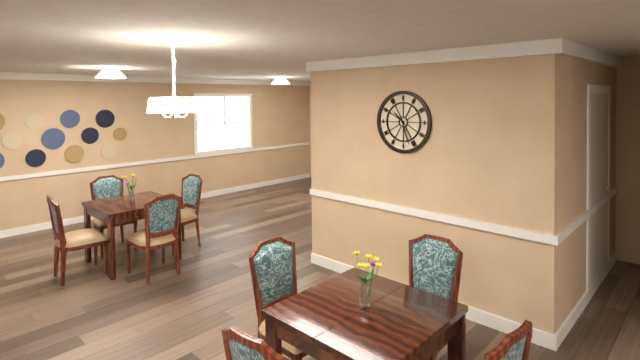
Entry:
10 h 27 min
